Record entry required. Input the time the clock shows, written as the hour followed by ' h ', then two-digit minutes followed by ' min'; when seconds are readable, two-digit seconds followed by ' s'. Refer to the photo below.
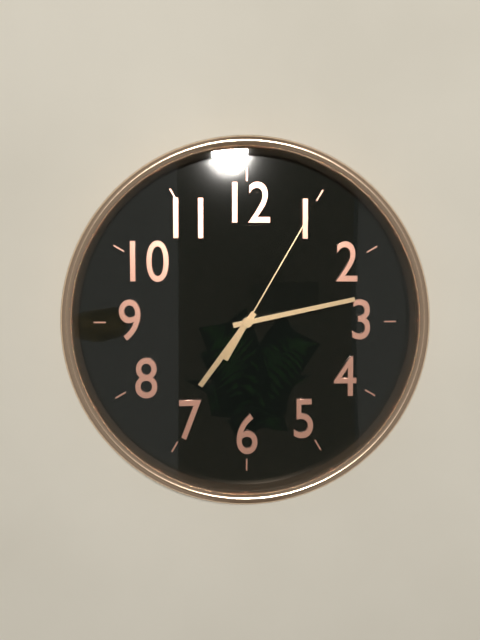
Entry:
7 h 13 min 05 s
